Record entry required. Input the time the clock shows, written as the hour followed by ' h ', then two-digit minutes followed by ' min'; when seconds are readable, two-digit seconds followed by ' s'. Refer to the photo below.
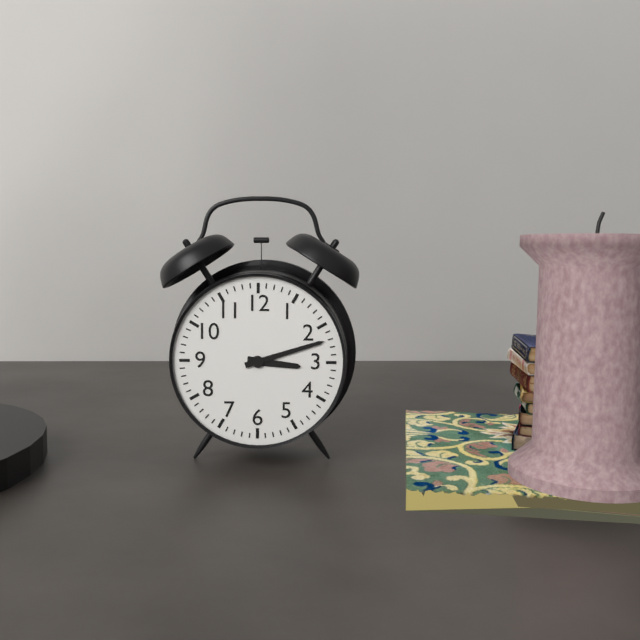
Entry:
3 h 12 min
